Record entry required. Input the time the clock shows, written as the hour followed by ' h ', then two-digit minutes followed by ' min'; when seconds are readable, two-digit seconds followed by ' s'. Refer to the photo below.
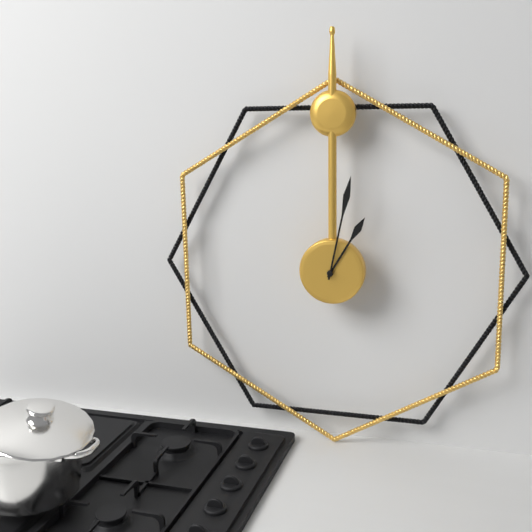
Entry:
1 h 02 min
